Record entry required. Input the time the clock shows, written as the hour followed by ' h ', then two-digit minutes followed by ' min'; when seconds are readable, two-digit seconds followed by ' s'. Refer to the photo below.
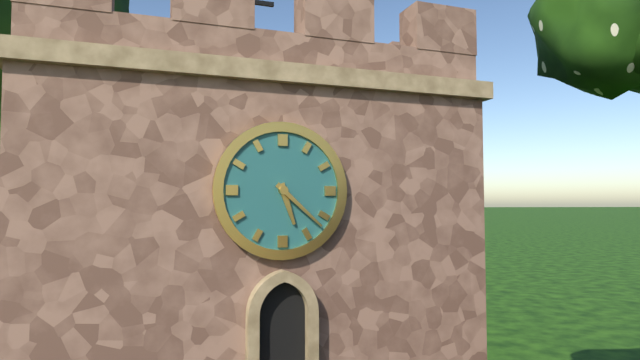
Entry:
5 h 22 min
